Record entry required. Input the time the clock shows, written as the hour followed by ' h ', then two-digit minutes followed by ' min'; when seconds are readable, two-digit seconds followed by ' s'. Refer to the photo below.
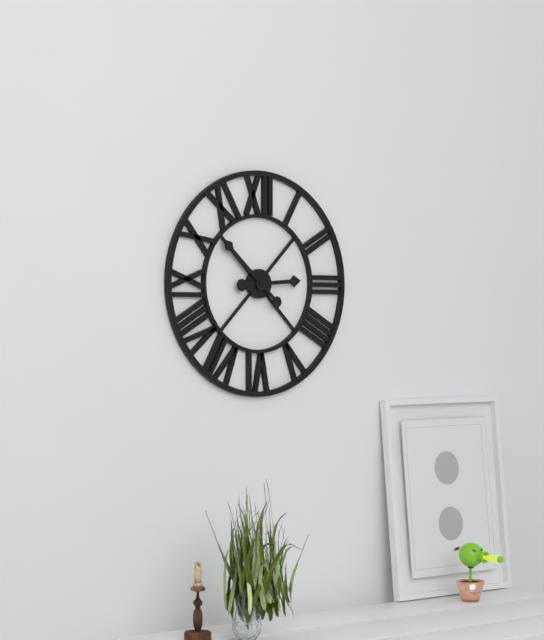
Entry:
2 h 52 min
